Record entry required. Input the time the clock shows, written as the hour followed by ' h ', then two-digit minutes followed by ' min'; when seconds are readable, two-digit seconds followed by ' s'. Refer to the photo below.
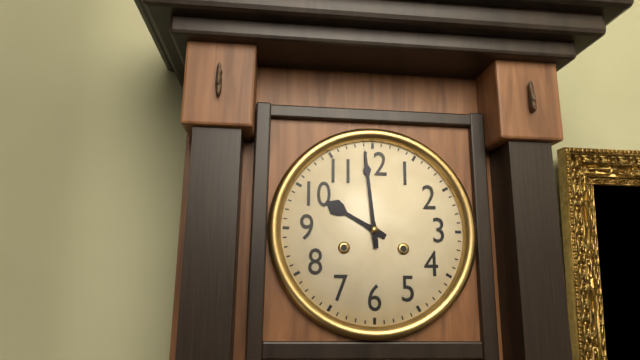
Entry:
9 h 59 min
